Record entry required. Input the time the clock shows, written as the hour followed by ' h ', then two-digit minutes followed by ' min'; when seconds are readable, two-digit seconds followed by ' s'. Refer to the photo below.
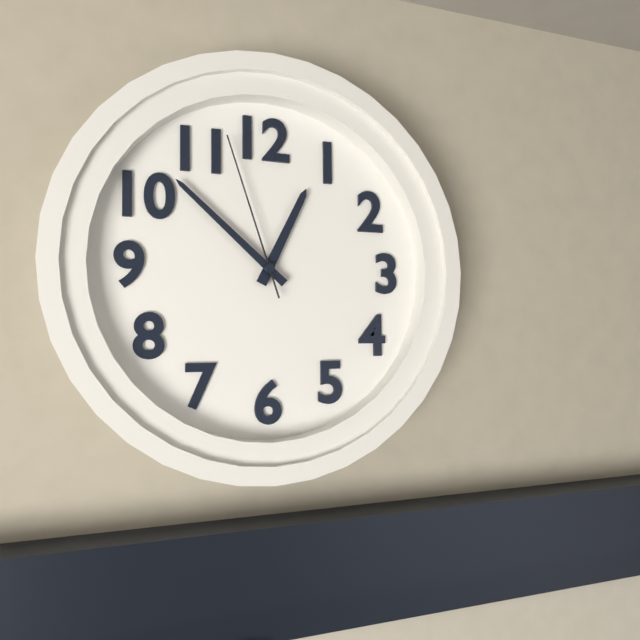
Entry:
12 h 52 min 57 s
